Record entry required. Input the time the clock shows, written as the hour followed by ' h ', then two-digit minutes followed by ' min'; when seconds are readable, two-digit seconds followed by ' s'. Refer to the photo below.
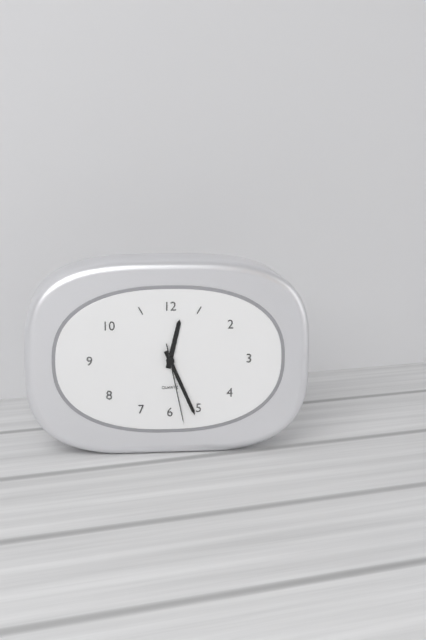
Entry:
12 h 26 min 28 s
